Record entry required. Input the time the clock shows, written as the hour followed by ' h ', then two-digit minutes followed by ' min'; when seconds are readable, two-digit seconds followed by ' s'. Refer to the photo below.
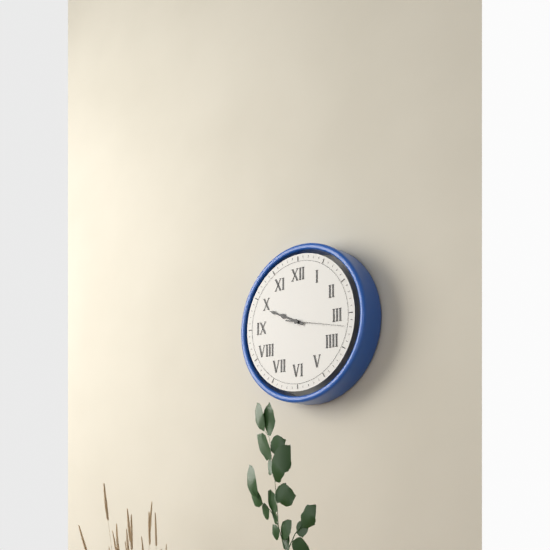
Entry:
9 h 49 min 17 s
